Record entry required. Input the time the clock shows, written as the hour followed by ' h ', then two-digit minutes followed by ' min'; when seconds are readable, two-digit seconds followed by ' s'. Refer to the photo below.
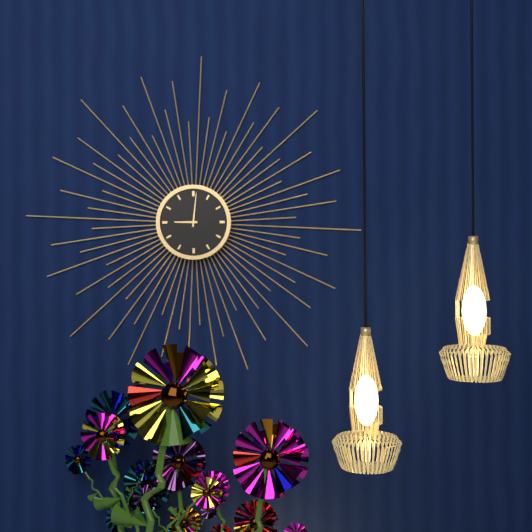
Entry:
9 h 01 min
